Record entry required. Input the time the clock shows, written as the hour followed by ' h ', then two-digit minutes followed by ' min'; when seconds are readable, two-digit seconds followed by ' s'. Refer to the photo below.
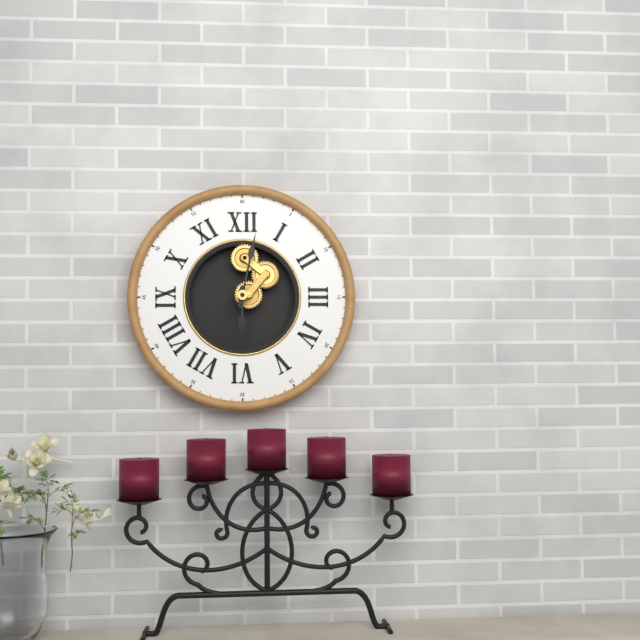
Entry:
6 h 02 min
